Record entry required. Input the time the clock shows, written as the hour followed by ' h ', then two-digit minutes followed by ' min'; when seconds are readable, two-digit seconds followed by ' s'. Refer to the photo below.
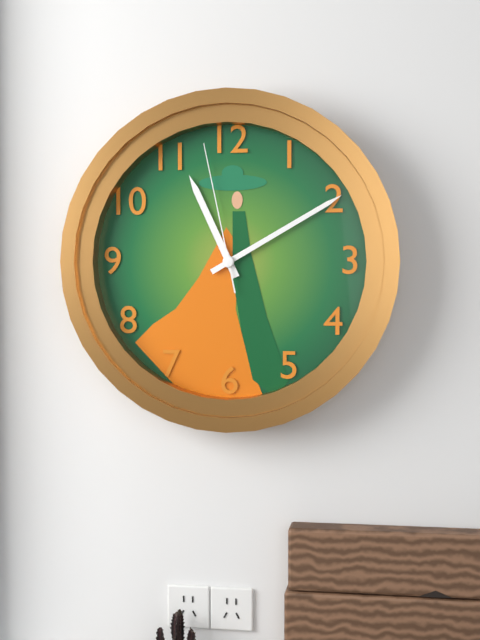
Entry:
11 h 10 min 58 s
